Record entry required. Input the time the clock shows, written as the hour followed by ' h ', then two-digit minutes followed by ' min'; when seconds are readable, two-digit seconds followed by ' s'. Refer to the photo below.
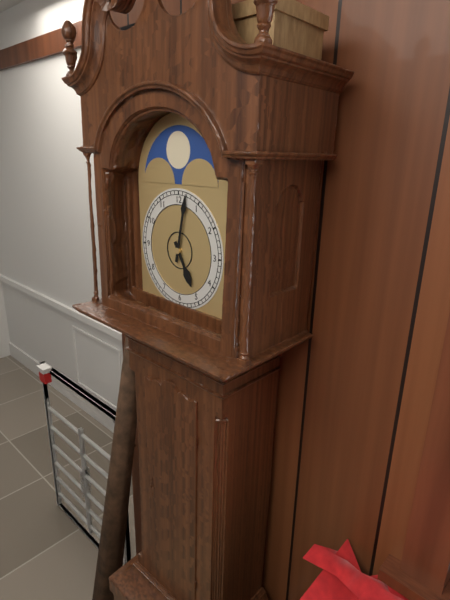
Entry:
5 h 02 min
